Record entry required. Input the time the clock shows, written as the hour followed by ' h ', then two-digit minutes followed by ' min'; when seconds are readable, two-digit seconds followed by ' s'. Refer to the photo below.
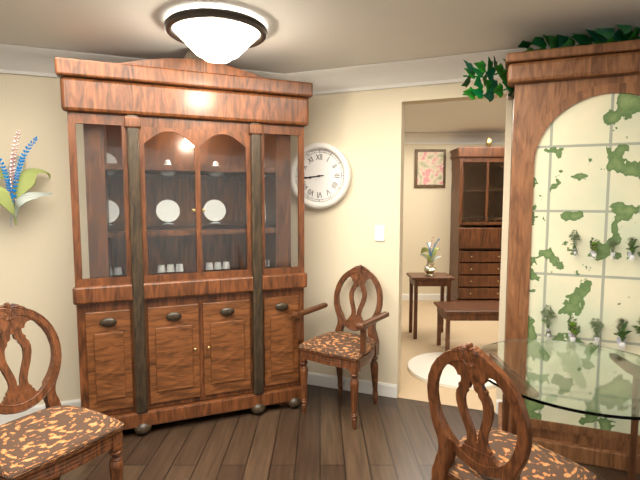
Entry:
8 h 44 min
